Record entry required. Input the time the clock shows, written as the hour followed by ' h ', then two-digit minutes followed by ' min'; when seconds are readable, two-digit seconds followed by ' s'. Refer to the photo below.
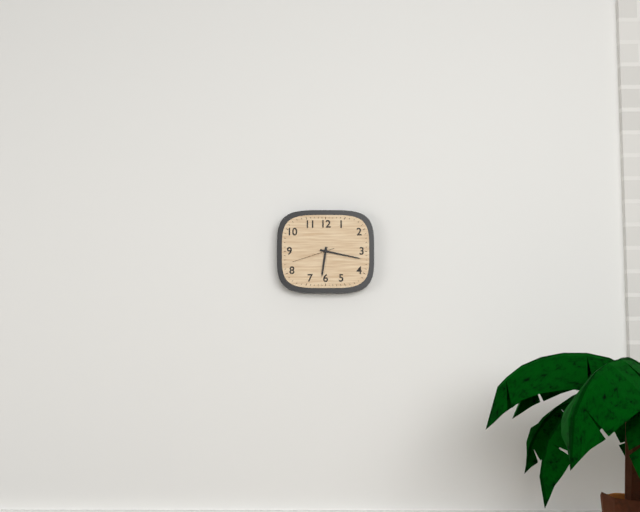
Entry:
6 h 17 min
